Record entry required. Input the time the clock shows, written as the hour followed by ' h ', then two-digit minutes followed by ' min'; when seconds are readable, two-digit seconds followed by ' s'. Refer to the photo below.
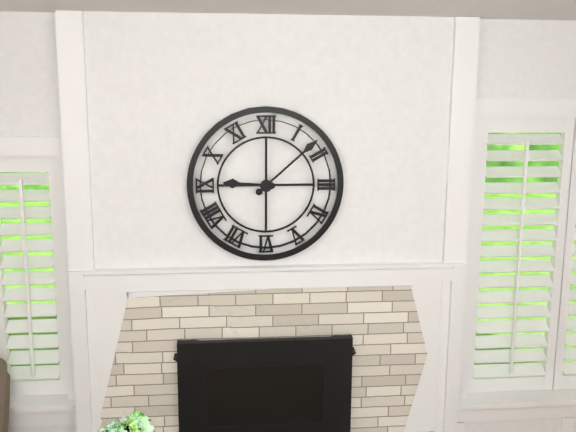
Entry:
9 h 08 min
